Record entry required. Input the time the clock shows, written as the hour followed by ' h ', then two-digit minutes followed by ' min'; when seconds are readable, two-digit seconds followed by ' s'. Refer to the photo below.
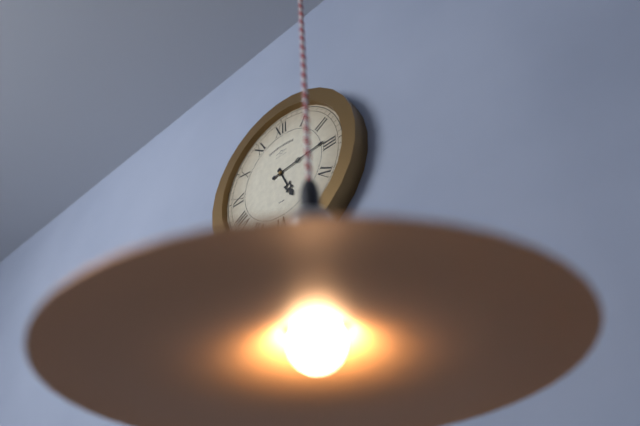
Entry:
5 h 14 min
